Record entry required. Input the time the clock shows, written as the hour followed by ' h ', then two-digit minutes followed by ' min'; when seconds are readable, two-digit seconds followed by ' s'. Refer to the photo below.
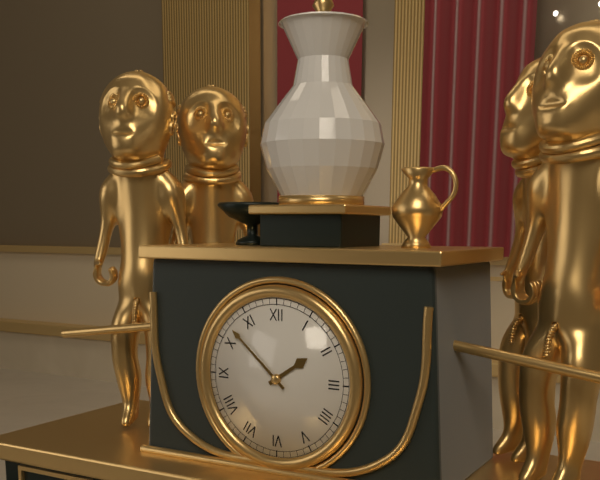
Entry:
1 h 52 min
